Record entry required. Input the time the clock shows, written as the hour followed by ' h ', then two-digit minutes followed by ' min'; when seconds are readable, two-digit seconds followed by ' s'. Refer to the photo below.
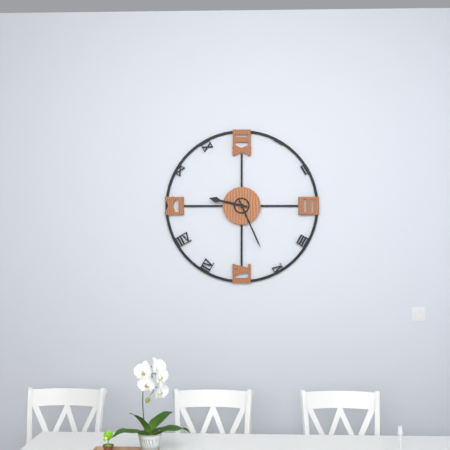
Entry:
9 h 26 min
